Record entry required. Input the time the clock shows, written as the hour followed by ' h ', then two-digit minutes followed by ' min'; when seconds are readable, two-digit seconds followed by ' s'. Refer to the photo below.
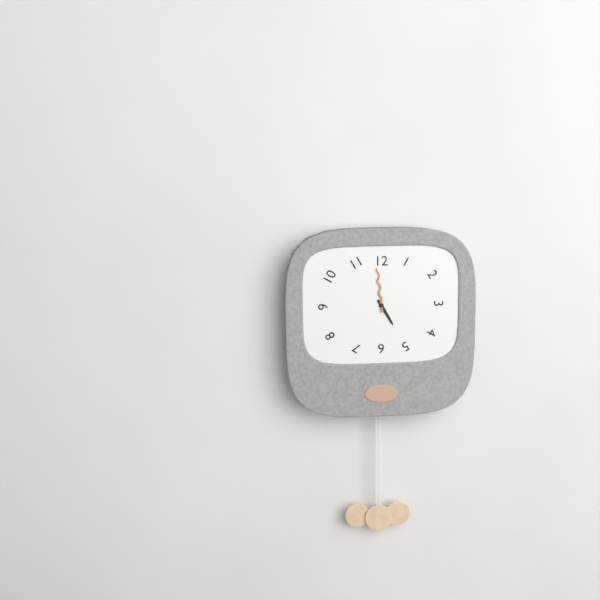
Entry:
4 h 59 min
